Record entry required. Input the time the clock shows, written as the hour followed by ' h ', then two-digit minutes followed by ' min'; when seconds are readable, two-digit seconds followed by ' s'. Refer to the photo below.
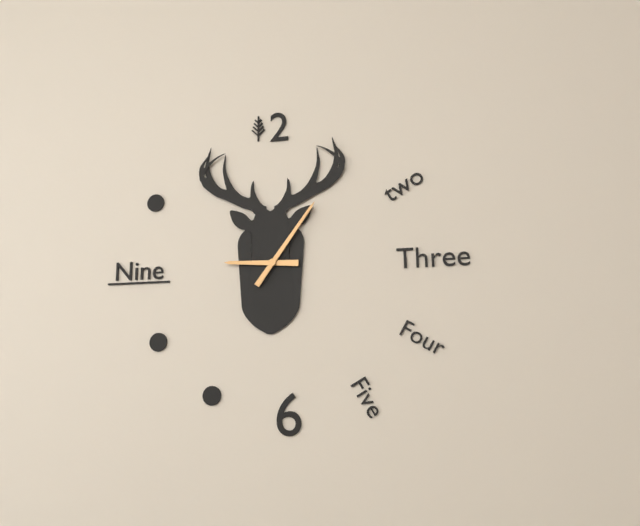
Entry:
9 h 06 min
